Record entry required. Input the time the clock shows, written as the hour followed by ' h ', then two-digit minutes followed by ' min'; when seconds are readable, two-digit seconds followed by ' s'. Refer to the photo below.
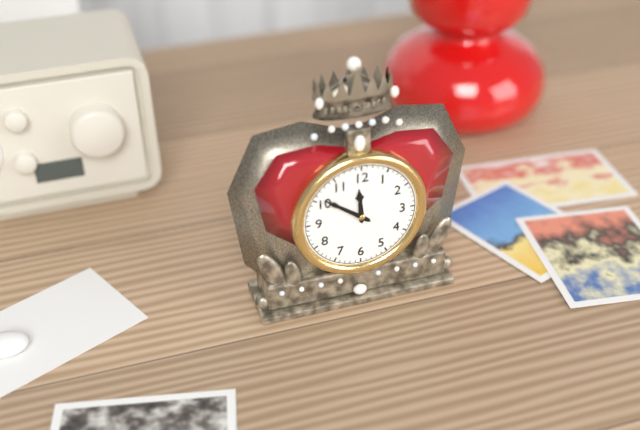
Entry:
11 h 51 min
